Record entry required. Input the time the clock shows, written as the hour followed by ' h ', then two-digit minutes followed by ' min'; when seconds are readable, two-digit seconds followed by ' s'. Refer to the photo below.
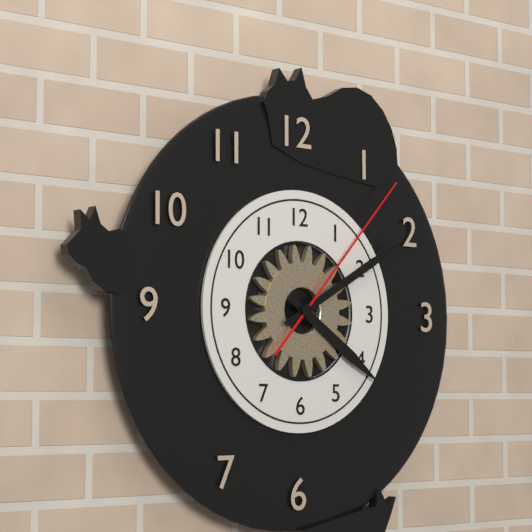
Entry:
4 h 10 min 07 s
